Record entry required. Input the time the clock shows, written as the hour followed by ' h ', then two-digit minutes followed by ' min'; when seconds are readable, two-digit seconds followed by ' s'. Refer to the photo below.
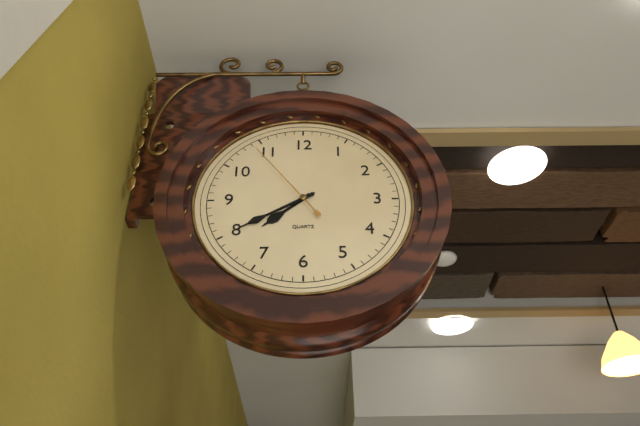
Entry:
7 h 40 min 54 s
